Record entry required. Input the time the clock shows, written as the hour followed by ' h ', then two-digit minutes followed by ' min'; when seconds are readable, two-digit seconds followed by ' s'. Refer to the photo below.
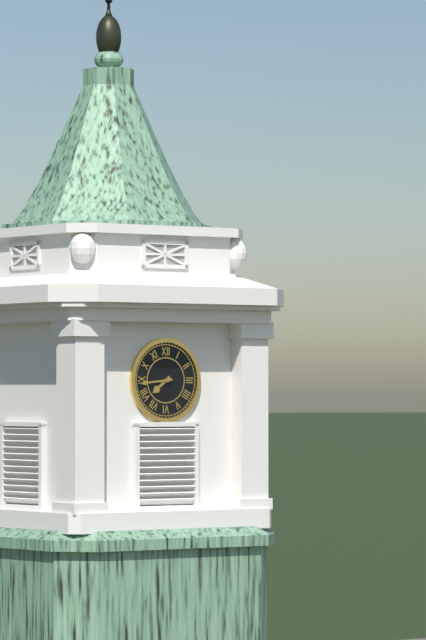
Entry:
7 h 44 min
